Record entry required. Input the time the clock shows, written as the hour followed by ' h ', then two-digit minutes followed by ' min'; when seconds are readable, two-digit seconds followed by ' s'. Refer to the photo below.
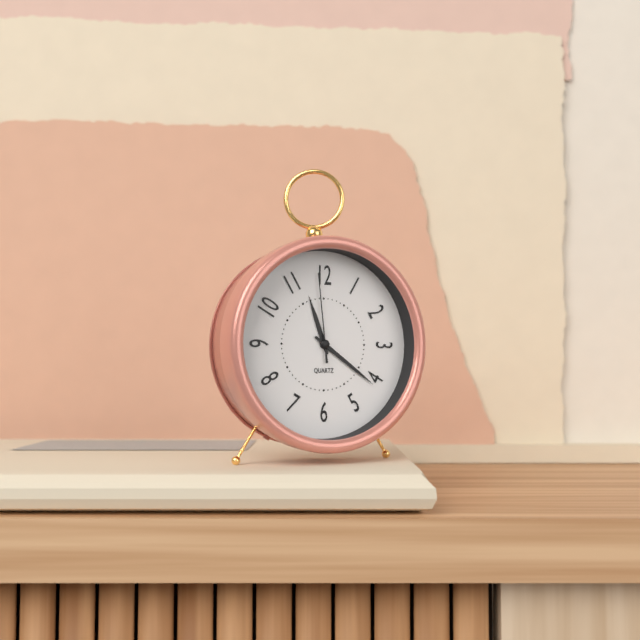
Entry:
11 h 21 min 59 s
